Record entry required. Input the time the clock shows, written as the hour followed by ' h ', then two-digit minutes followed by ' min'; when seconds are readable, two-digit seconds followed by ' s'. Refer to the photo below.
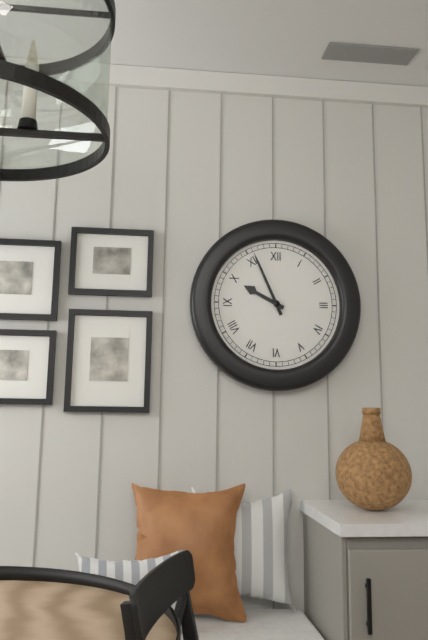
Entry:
9 h 56 min
